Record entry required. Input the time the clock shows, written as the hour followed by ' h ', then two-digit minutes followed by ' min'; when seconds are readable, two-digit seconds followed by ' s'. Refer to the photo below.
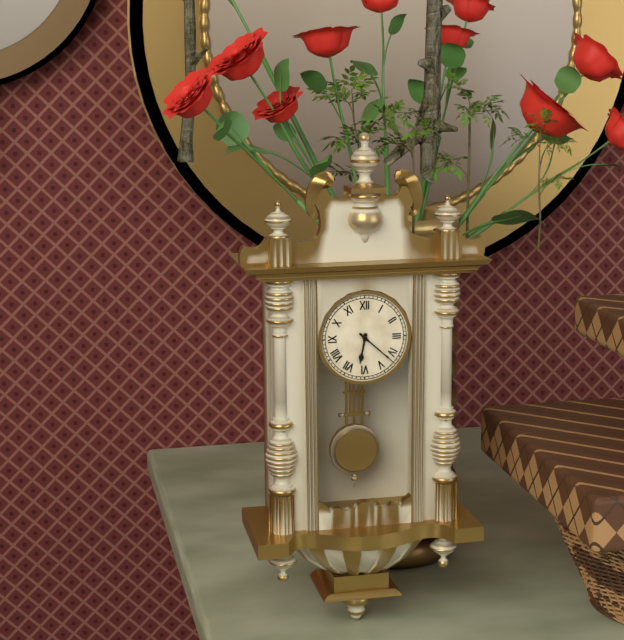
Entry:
6 h 22 min
